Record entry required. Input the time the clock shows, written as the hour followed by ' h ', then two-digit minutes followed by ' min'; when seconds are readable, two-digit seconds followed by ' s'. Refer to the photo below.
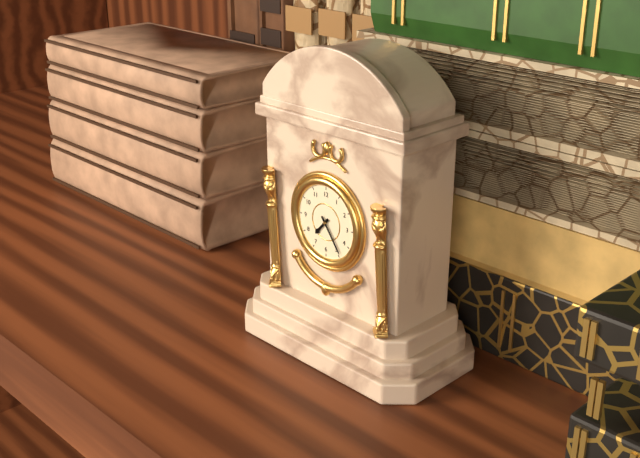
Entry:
7 h 24 min
